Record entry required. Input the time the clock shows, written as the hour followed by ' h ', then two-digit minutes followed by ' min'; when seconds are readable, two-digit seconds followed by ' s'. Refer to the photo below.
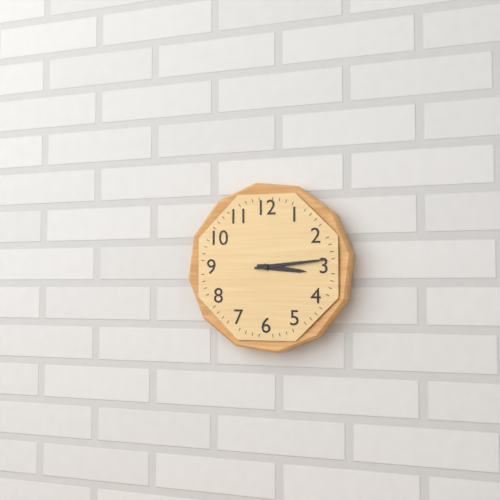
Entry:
3 h 14 min
